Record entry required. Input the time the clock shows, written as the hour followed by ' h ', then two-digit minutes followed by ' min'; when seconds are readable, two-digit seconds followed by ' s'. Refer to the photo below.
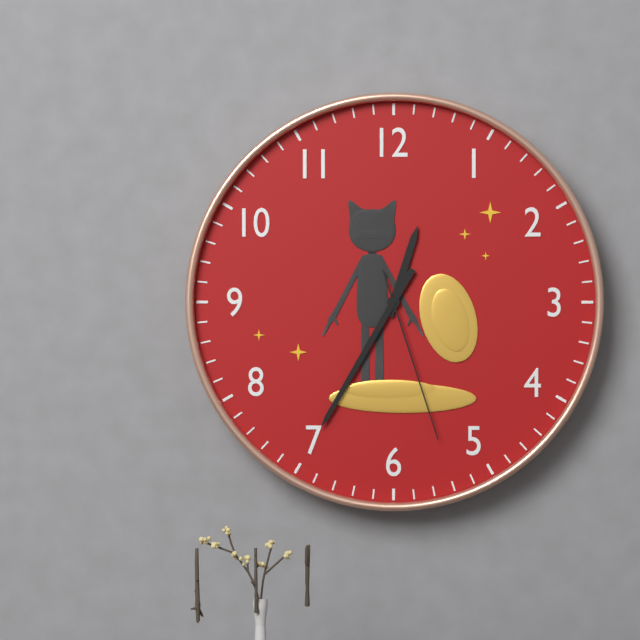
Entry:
12 h 35 min 27 s
